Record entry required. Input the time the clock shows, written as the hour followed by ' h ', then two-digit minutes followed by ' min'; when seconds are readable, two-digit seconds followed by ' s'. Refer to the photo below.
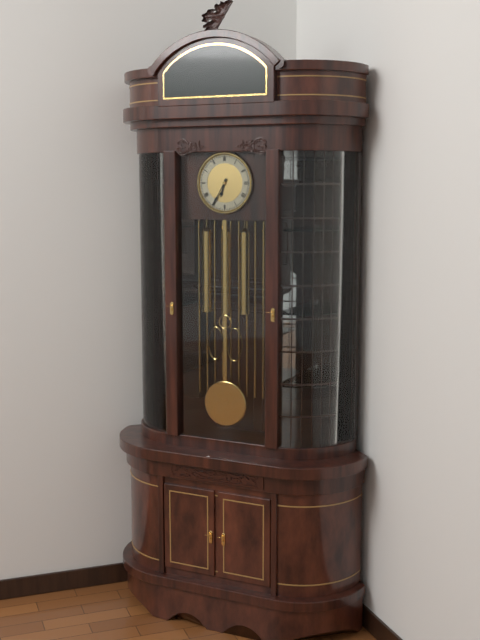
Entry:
6 h 35 min
